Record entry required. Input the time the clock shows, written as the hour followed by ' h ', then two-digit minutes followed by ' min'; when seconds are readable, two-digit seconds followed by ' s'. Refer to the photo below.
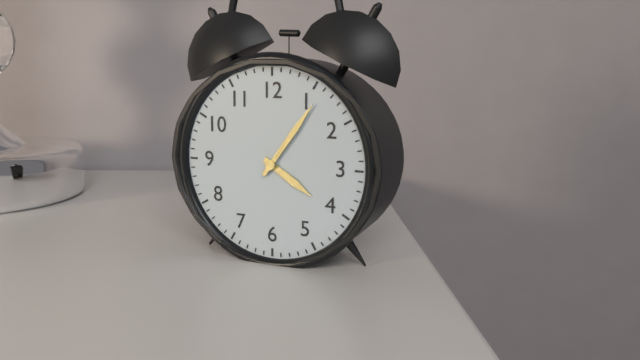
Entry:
4 h 06 min
